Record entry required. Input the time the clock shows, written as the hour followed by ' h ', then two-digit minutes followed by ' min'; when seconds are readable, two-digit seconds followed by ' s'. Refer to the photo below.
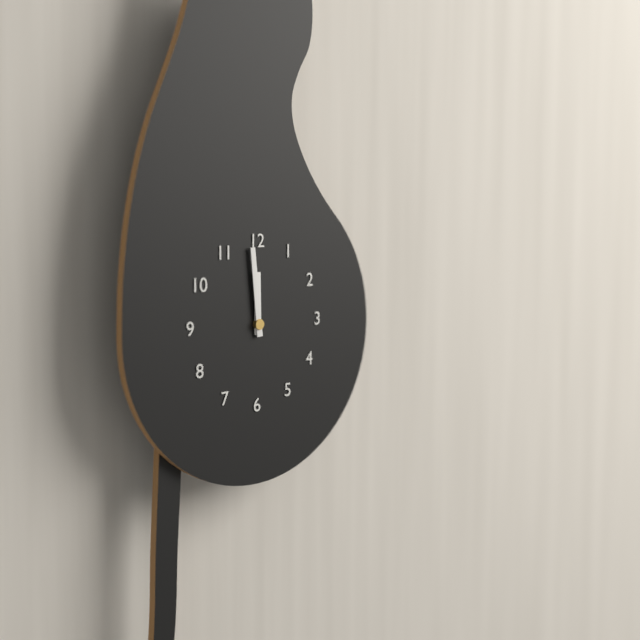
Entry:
11 h 59 min
